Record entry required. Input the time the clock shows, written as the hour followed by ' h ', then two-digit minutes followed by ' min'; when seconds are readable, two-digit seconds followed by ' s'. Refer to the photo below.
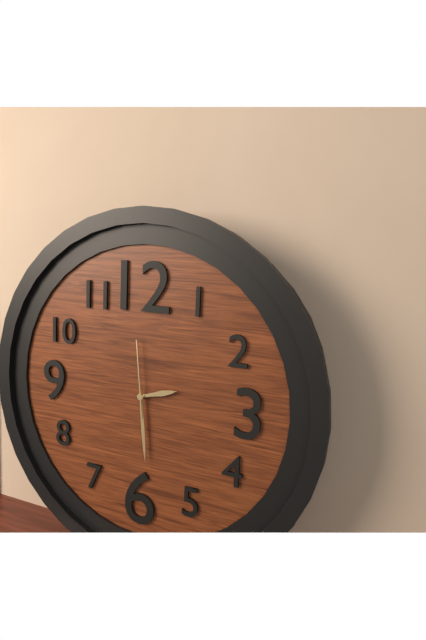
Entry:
2 h 29 min 59 s
